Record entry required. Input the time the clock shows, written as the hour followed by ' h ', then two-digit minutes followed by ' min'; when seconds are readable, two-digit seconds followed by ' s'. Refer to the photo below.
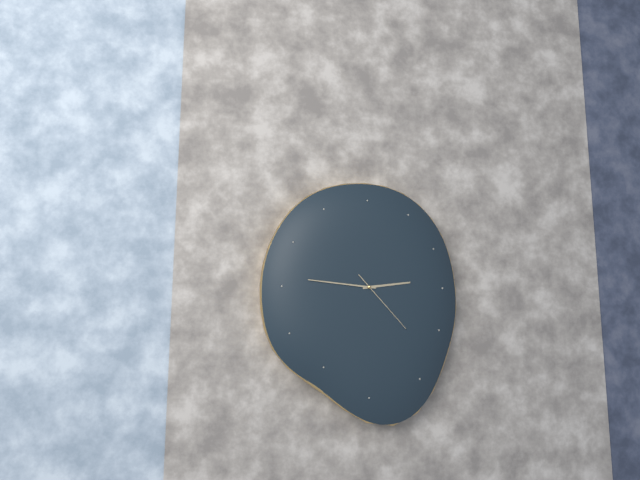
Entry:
2 h 46 min 23 s
